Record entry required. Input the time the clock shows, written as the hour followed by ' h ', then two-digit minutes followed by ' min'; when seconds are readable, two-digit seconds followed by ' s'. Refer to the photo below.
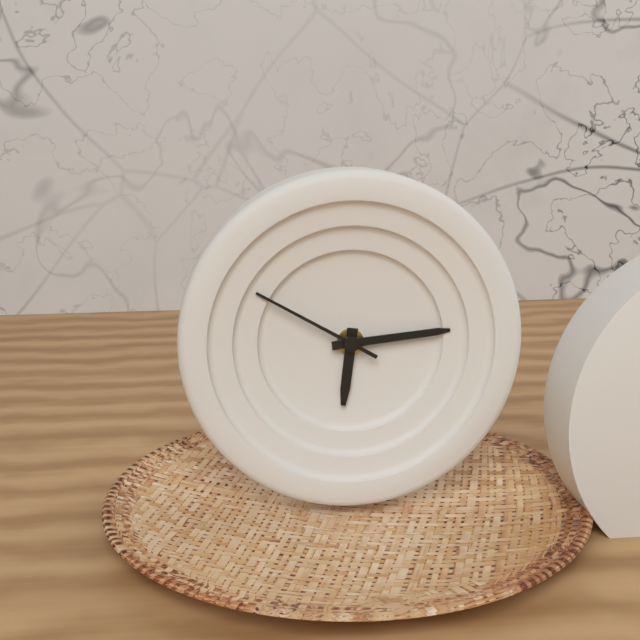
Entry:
6 h 14 min 50 s
